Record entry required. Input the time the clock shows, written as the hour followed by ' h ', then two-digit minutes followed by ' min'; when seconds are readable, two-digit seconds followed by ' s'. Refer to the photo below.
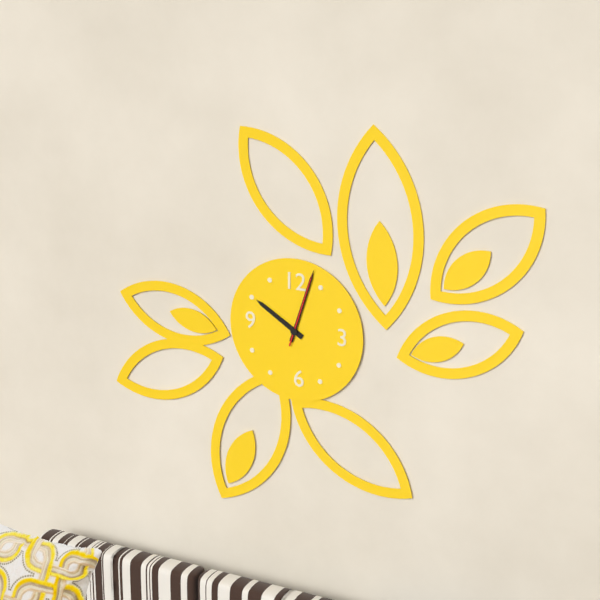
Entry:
10 h 03 min 03 s
